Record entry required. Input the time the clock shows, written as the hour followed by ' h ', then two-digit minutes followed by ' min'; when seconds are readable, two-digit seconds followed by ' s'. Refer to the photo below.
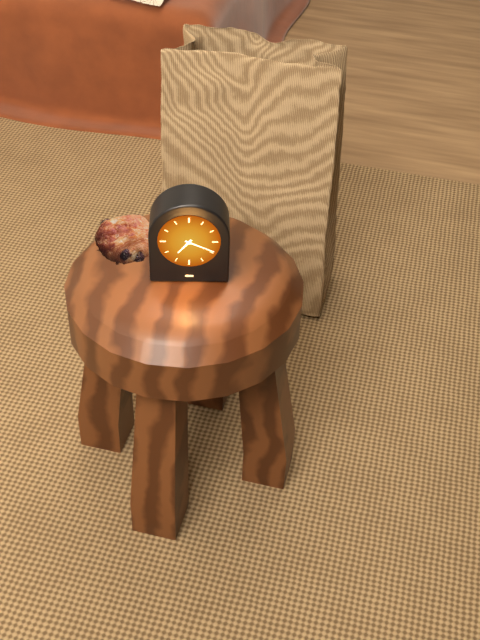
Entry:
7 h 19 min
